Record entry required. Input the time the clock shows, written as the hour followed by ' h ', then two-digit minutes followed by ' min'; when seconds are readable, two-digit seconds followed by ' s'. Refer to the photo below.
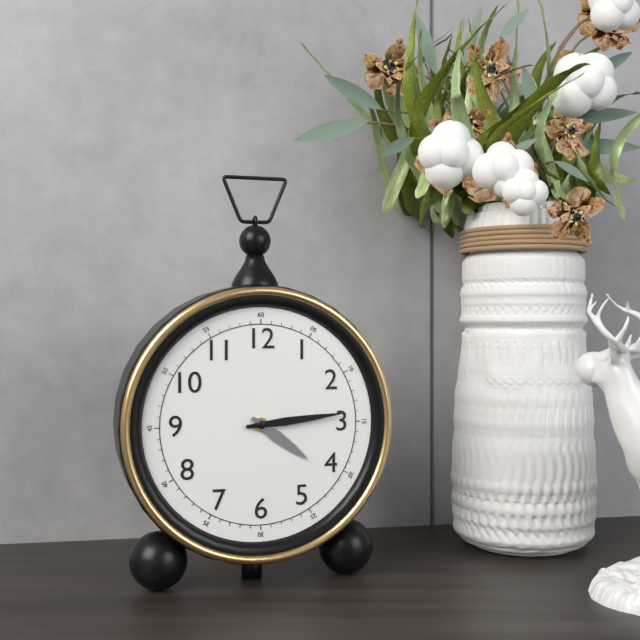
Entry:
4 h 14 min
